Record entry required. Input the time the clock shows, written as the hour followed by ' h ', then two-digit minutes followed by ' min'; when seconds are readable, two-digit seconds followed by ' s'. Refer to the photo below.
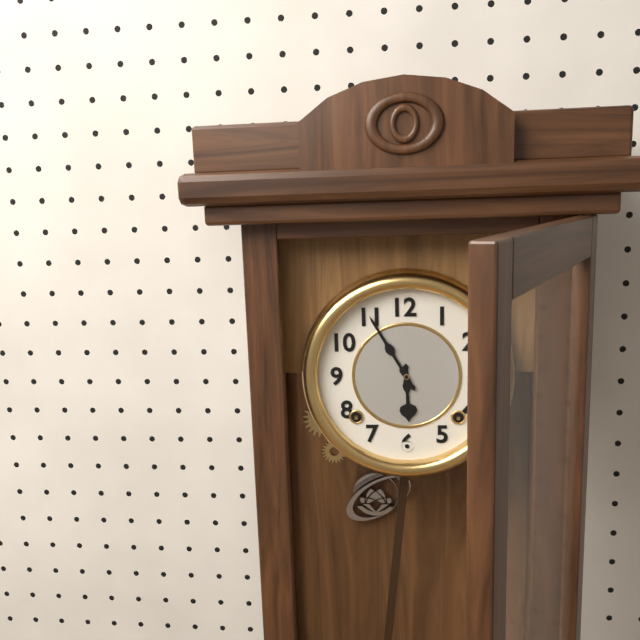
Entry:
5 h 55 min
